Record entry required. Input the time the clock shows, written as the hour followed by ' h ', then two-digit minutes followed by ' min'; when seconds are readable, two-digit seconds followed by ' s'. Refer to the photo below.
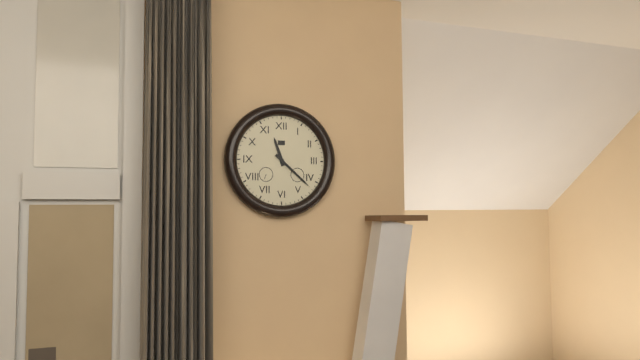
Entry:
11 h 22 min
